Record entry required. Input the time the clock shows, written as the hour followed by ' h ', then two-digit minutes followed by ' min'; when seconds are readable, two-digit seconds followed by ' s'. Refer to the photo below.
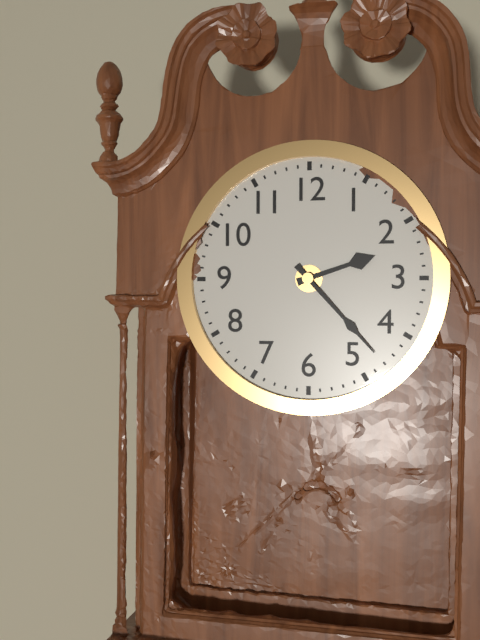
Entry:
2 h 23 min
